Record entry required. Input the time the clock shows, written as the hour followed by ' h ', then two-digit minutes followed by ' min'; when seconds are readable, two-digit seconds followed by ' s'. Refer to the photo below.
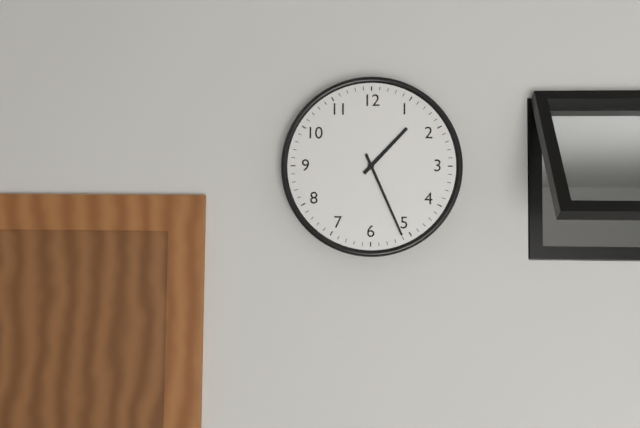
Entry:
1 h 26 min
